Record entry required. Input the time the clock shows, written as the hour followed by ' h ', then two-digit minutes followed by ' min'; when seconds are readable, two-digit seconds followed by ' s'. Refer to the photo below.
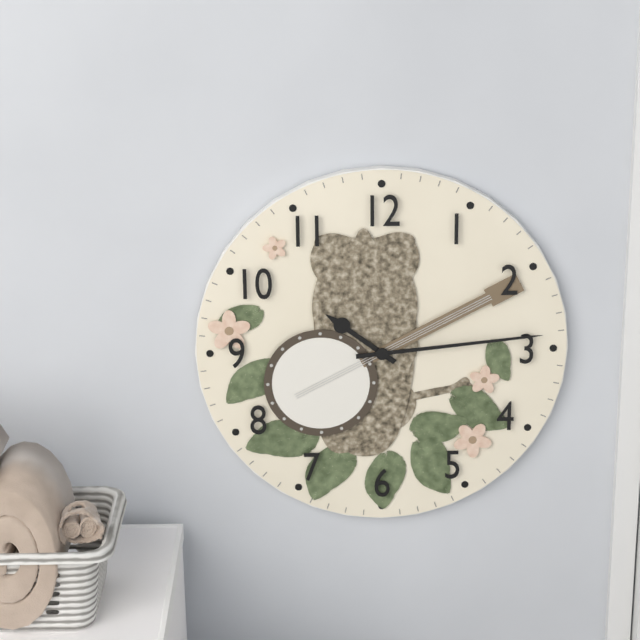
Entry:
10 h 14 min
